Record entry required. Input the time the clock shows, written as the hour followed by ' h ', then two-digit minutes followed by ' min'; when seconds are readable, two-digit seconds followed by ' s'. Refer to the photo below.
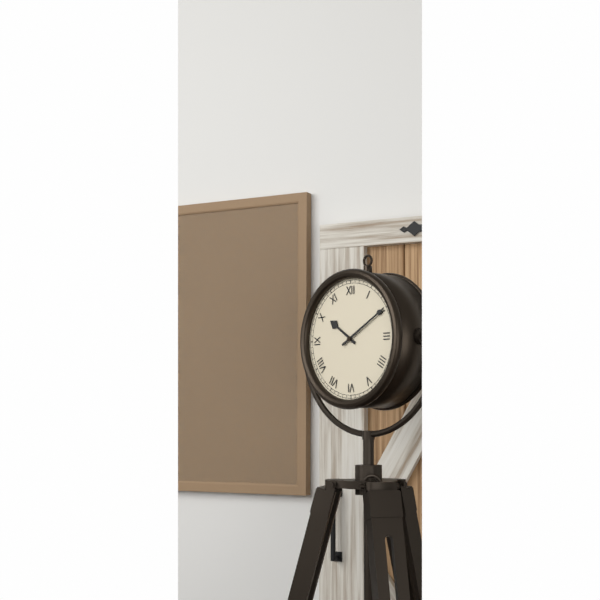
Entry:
10 h 10 min
